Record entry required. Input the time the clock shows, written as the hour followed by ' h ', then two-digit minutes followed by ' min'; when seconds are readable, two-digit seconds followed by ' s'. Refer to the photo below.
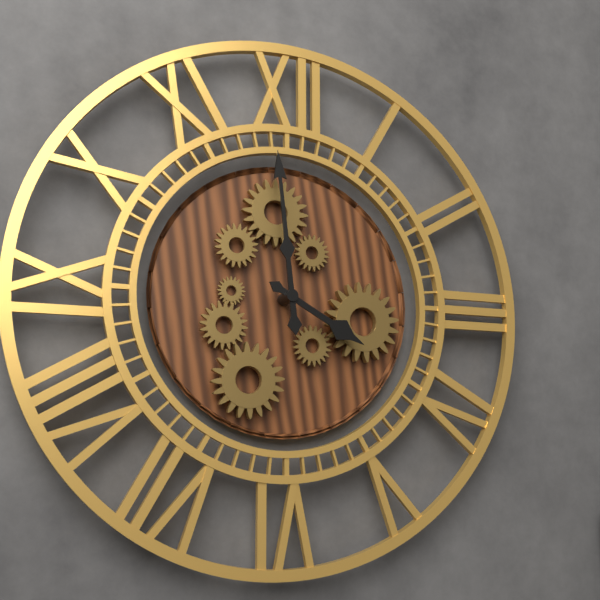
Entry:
3 h 59 min
